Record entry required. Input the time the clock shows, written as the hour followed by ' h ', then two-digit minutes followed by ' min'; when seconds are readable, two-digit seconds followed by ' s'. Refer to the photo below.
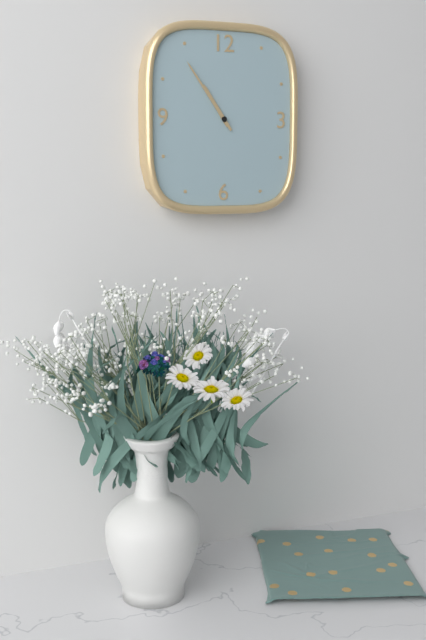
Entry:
10 h 54 min
